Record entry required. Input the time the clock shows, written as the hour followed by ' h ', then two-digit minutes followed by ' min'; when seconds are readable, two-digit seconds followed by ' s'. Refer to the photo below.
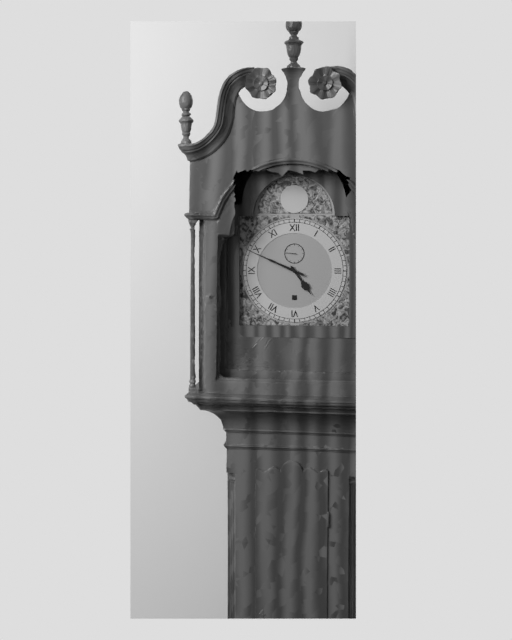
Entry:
4 h 49 min
